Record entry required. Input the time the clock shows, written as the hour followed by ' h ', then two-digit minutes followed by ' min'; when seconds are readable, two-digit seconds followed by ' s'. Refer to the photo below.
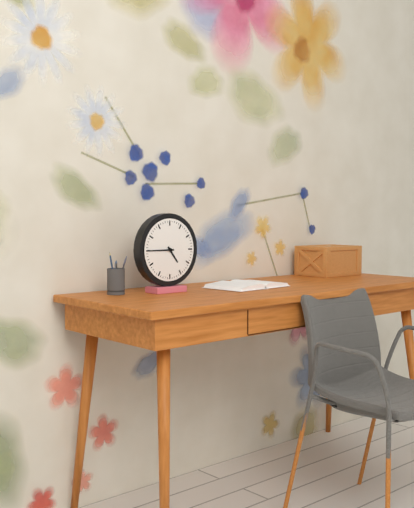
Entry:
4 h 45 min
